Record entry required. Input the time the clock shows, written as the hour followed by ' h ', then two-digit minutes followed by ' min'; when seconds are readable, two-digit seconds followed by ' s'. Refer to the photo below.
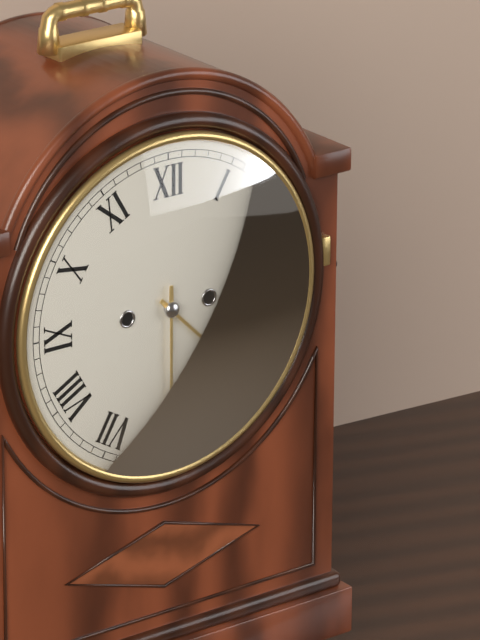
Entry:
4 h 30 min
